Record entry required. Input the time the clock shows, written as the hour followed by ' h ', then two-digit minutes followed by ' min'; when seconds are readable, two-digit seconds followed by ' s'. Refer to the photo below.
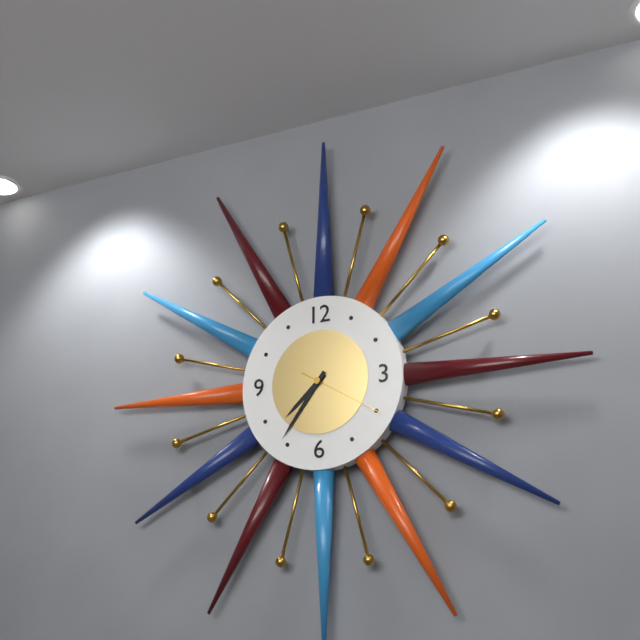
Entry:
7 h 36 min 20 s
